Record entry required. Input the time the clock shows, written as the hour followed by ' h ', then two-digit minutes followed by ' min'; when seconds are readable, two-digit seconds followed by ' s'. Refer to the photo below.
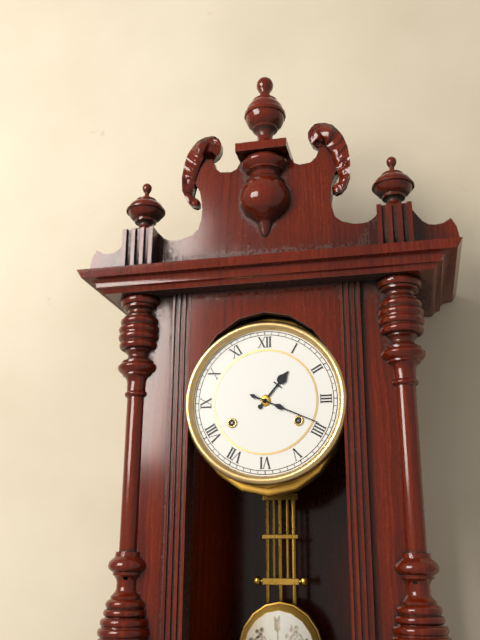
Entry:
1 h 19 min
